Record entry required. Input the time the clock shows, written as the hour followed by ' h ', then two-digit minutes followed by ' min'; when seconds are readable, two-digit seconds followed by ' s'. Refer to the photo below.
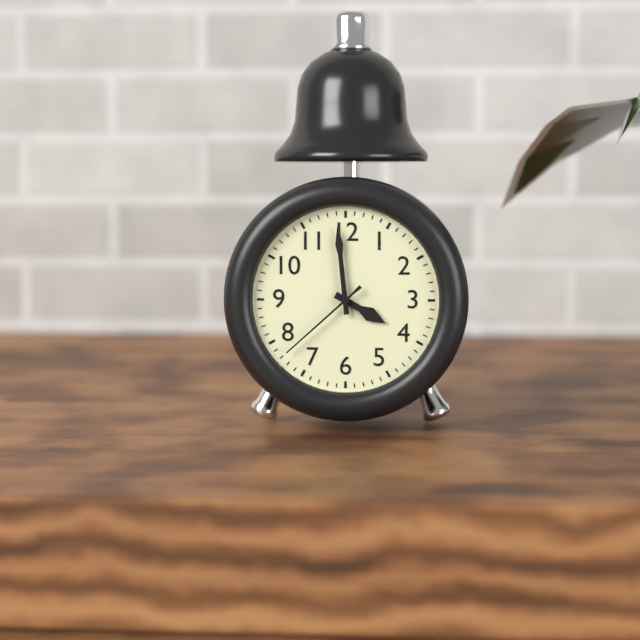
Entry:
3 h 59 min 38 s
